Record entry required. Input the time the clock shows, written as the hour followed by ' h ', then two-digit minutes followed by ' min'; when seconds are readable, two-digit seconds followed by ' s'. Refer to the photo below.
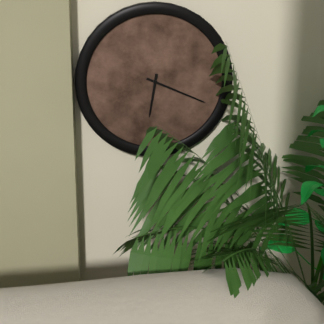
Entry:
6 h 19 min
